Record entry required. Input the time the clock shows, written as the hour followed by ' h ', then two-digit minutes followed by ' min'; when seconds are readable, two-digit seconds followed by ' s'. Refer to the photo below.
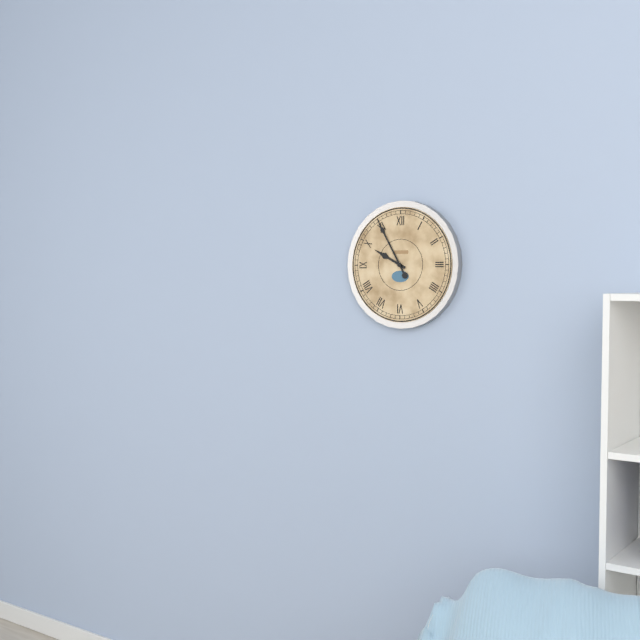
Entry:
9 h 55 min
